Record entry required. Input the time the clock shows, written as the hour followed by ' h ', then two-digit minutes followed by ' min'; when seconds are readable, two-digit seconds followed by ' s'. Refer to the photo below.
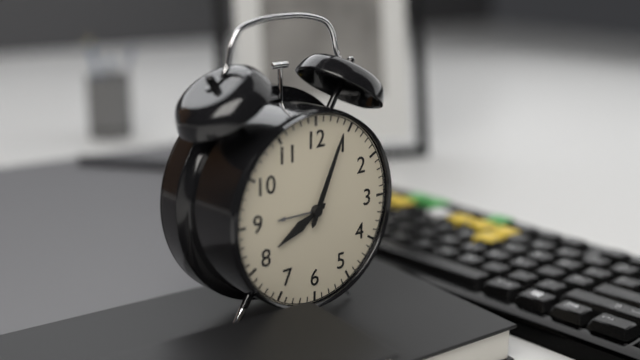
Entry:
8 h 04 min
